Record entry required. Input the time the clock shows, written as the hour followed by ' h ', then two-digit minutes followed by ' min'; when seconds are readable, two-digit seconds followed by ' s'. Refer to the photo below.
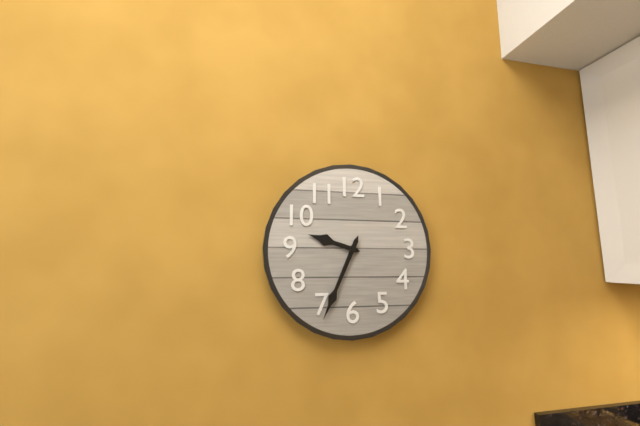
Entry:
9 h 34 min
